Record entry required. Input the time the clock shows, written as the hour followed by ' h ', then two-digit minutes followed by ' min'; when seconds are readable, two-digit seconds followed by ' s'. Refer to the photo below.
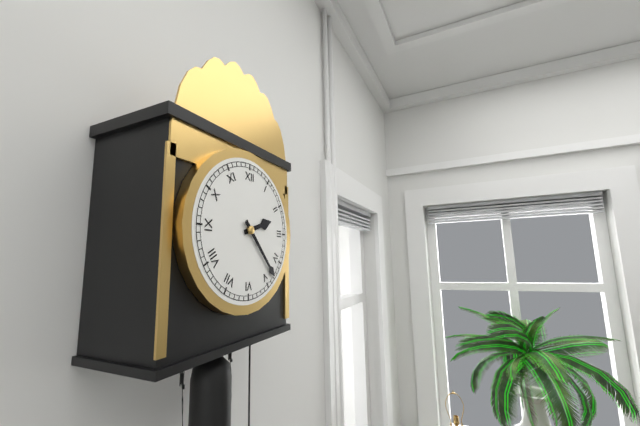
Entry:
2 h 23 min
